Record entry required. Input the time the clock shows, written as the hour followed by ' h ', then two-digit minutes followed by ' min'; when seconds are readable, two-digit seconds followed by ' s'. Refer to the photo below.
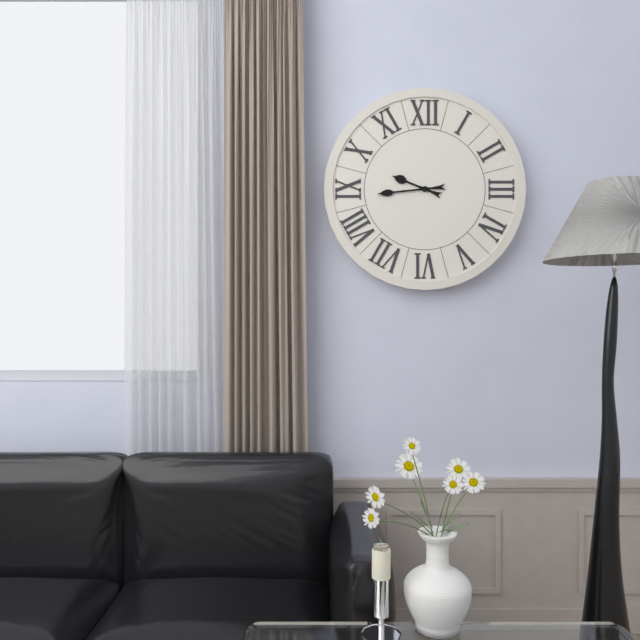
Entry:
9 h 44 min
